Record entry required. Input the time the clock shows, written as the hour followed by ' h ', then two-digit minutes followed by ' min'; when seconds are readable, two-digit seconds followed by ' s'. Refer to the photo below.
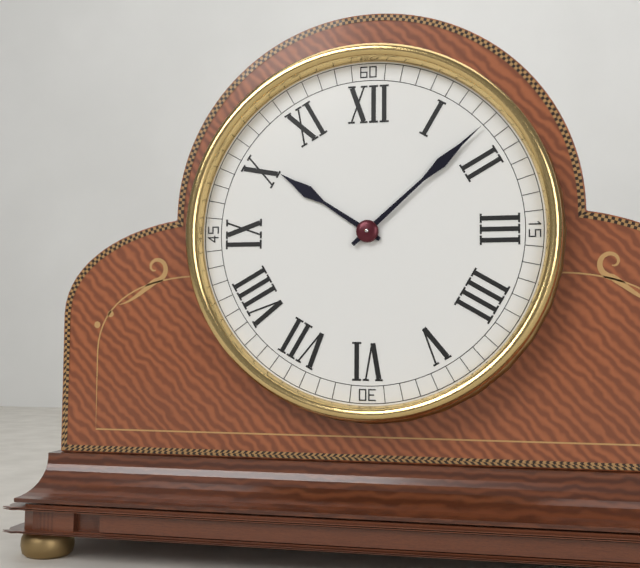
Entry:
10 h 08 min
